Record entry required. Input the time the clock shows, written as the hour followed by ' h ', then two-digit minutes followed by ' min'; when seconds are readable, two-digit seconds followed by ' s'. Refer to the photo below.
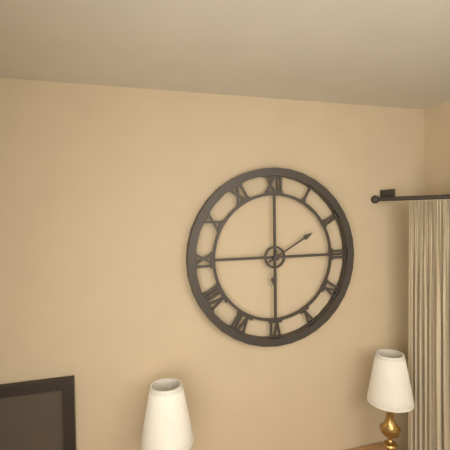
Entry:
6 h 10 min
